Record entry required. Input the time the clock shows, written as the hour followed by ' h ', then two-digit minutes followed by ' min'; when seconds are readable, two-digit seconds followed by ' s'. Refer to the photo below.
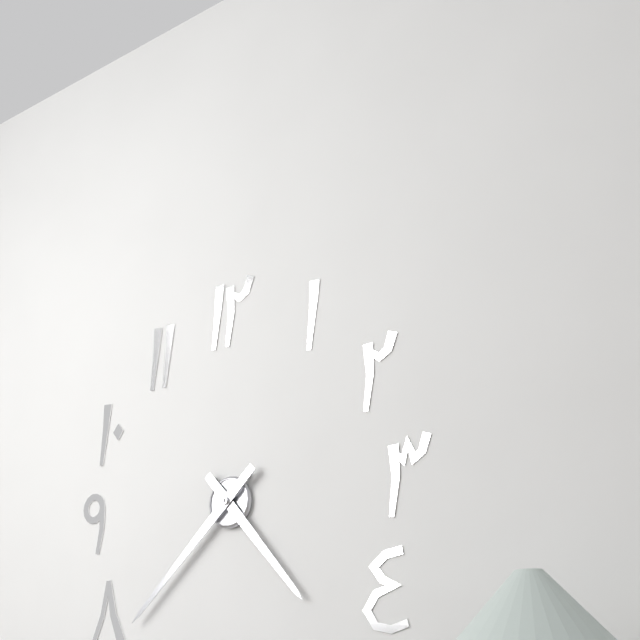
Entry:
4 h 38 min
